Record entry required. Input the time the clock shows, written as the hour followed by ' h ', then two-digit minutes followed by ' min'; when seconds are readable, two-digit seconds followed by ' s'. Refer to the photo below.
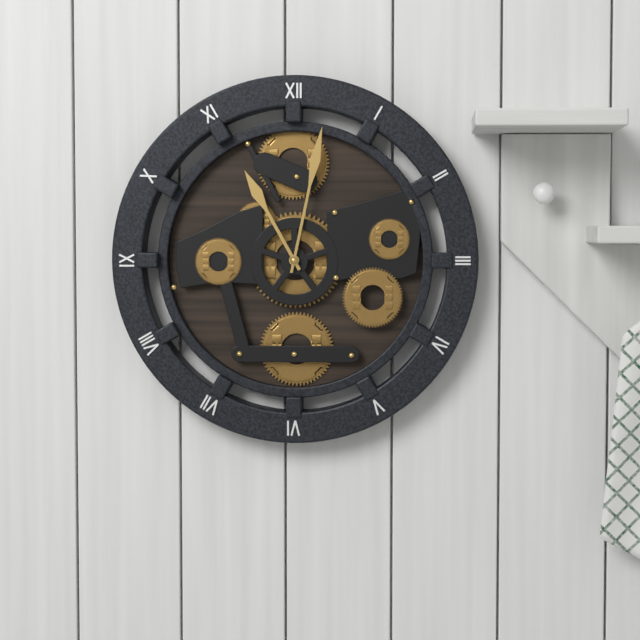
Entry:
11 h 02 min
